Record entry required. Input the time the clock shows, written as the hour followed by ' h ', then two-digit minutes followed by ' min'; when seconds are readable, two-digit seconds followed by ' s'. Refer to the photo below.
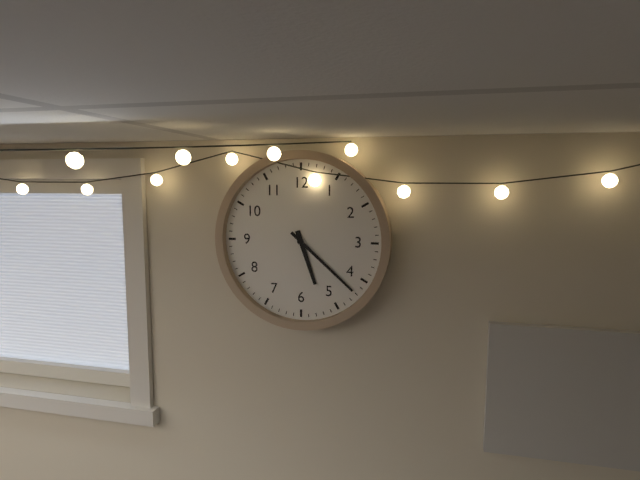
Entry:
5 h 22 min
